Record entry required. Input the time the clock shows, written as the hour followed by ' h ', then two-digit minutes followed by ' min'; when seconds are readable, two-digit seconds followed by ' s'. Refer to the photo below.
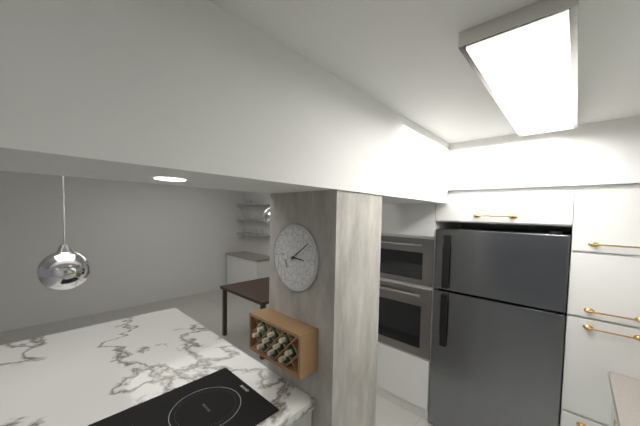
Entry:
3 h 09 min
